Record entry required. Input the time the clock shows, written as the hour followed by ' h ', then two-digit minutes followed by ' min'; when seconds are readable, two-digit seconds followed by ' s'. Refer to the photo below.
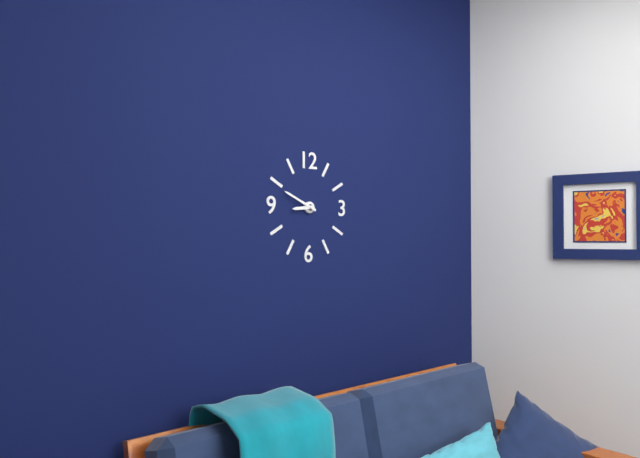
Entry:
8 h 49 min
